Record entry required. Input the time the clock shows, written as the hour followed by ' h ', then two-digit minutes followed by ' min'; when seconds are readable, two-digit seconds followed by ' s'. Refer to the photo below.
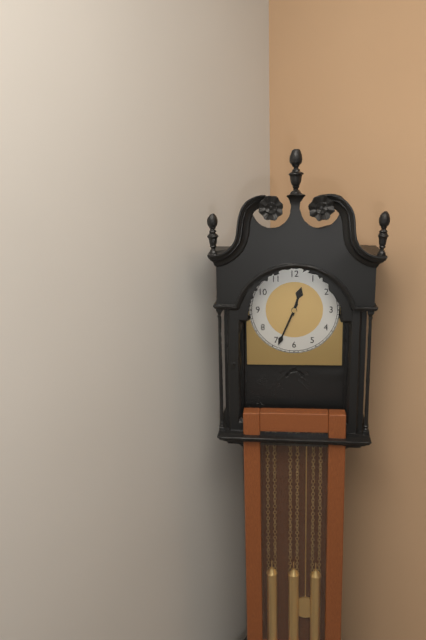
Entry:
12 h 34 min
